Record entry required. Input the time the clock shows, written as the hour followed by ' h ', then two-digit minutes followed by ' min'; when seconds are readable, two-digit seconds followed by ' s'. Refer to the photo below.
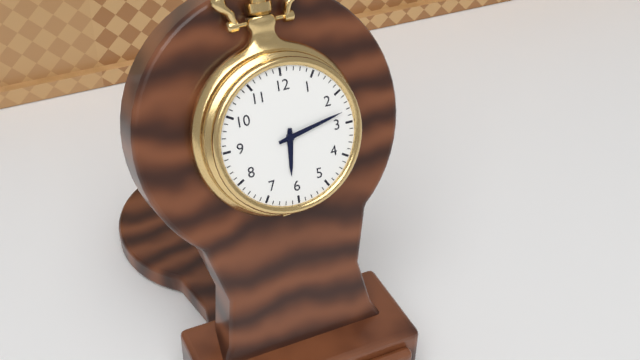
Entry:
6 h 13 min
